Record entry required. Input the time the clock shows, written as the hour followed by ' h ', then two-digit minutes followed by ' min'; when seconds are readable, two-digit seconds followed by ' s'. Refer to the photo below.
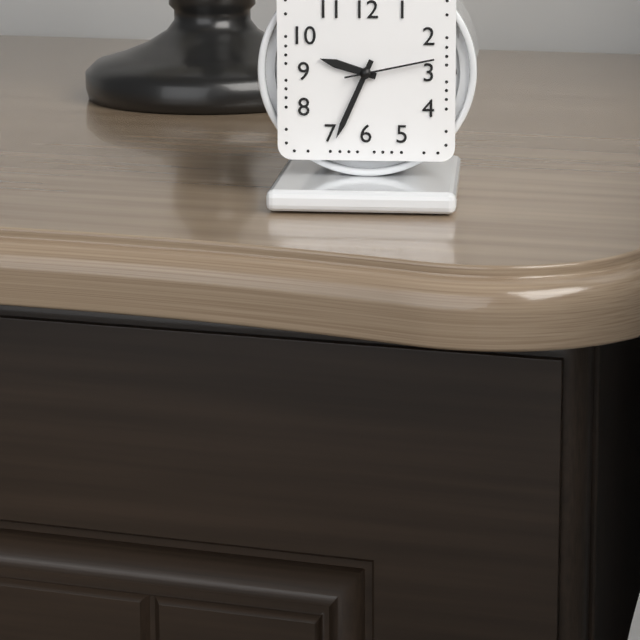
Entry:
9 h 34 min 13 s
